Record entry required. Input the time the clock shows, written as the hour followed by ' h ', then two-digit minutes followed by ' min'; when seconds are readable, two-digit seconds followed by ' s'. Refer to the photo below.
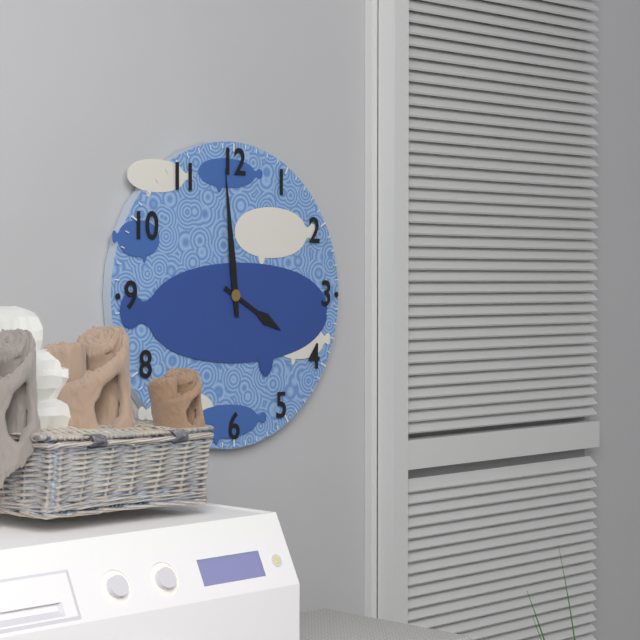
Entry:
3 h 59 min
